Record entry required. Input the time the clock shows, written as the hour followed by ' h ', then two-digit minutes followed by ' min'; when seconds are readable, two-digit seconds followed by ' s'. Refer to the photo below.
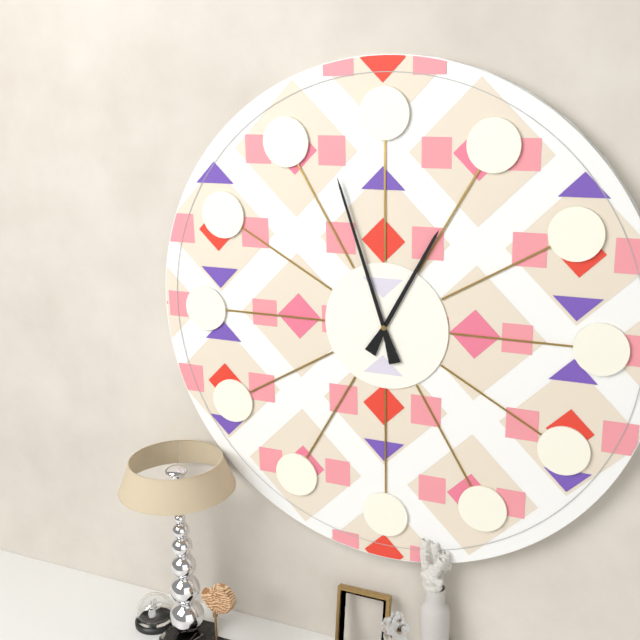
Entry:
12 h 57 min
